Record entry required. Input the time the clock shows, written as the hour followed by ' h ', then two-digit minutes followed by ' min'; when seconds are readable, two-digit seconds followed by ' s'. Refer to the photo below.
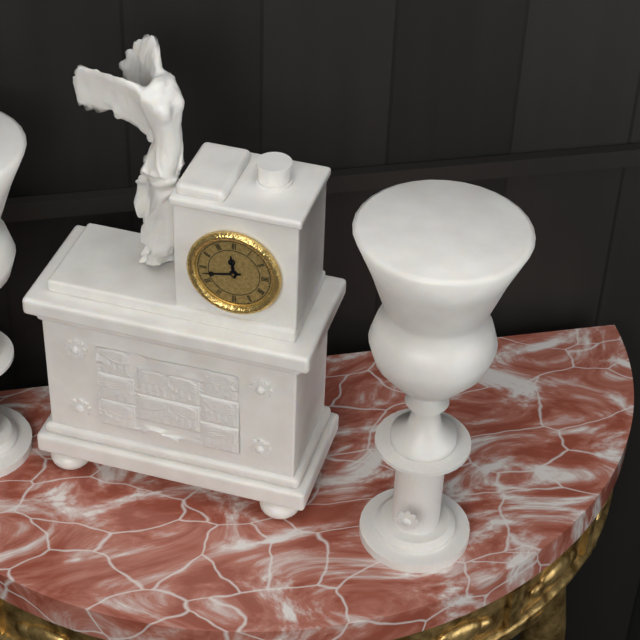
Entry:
11 h 43 min
